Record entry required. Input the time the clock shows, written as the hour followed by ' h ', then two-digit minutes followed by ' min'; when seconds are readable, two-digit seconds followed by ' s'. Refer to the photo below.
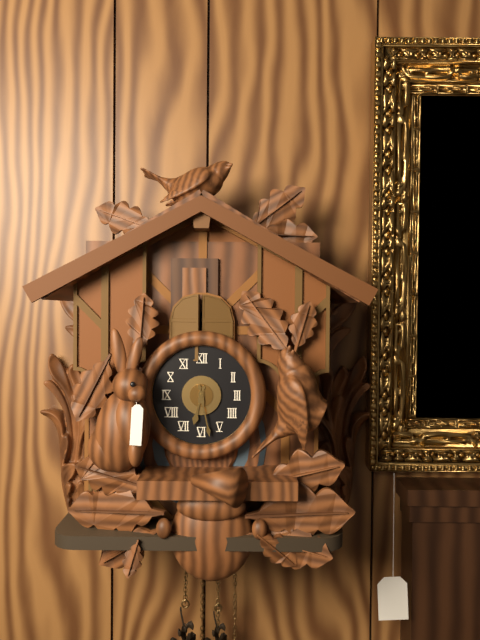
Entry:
6 h 28 min
